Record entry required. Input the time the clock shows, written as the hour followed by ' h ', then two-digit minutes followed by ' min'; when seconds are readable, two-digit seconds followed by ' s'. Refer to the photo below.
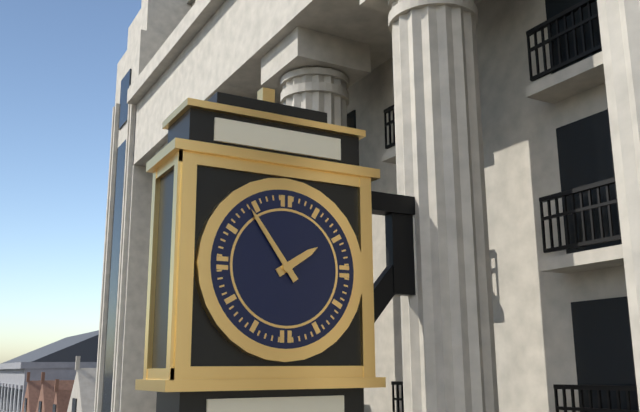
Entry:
1 h 54 min
